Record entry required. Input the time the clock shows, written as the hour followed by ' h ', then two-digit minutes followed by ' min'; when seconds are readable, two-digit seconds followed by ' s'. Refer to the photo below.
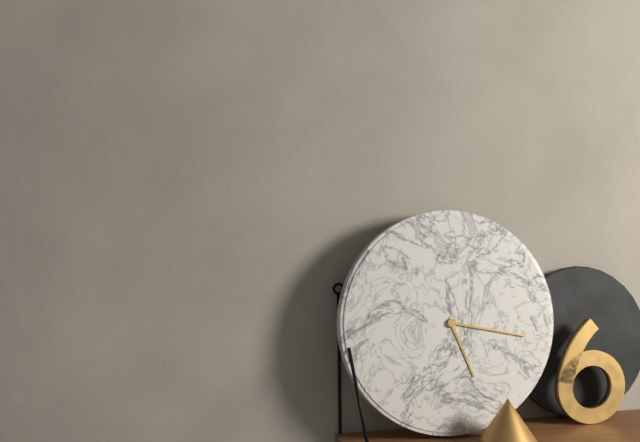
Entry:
5 h 17 min
